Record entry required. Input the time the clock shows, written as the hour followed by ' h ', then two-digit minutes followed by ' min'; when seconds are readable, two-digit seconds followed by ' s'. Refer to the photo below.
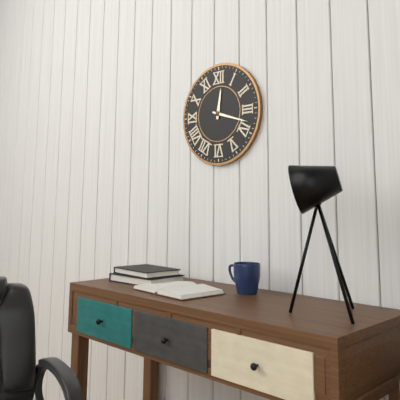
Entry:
12 h 18 min
